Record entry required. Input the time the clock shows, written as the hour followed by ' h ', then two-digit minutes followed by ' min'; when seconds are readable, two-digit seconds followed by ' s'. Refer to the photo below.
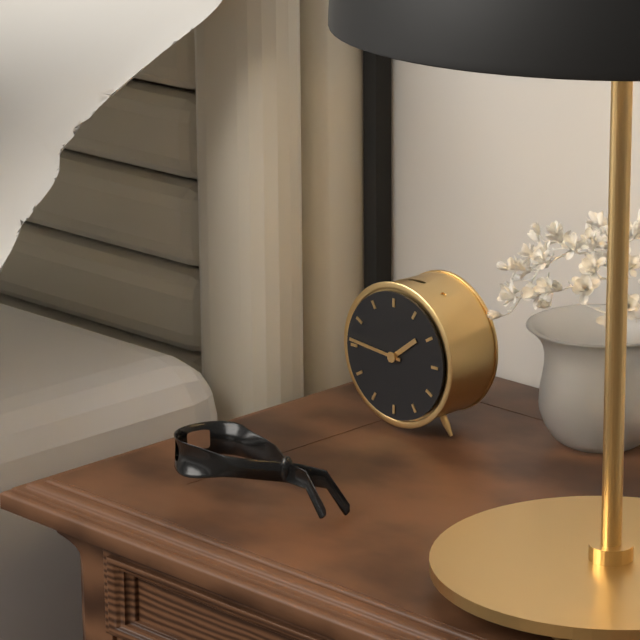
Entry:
1 h 46 min
